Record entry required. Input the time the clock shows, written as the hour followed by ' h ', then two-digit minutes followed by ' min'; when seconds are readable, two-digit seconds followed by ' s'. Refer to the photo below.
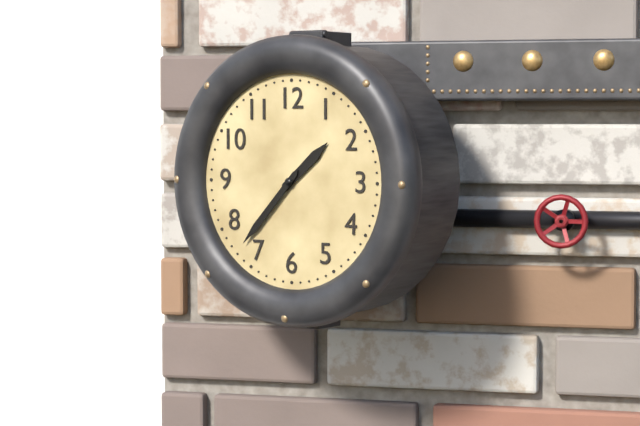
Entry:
1 h 37 min
